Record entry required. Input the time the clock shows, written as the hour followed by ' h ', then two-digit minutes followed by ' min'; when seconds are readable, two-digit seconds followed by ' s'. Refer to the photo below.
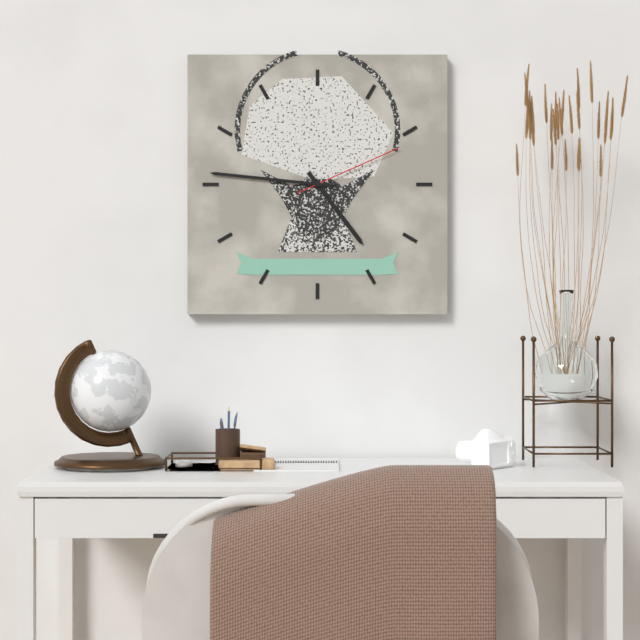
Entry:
4 h 46 min 11 s
